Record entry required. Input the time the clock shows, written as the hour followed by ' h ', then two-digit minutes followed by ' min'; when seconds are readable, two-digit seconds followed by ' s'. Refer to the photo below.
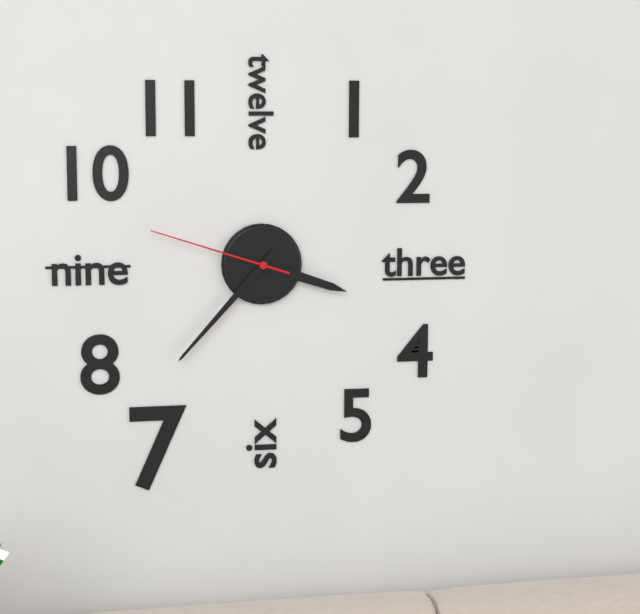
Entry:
3 h 37 min 48 s
